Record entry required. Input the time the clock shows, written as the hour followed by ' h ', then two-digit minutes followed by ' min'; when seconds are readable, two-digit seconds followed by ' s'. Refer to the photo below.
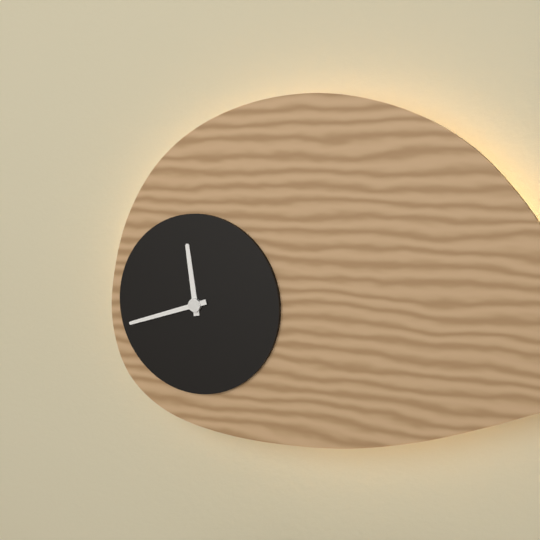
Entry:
11 h 42 min
